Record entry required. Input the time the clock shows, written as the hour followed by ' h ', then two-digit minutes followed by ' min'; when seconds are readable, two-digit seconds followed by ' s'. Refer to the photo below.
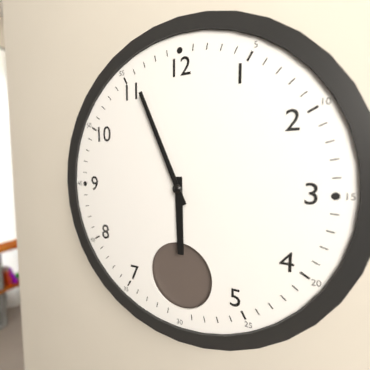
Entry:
5 h 56 min
